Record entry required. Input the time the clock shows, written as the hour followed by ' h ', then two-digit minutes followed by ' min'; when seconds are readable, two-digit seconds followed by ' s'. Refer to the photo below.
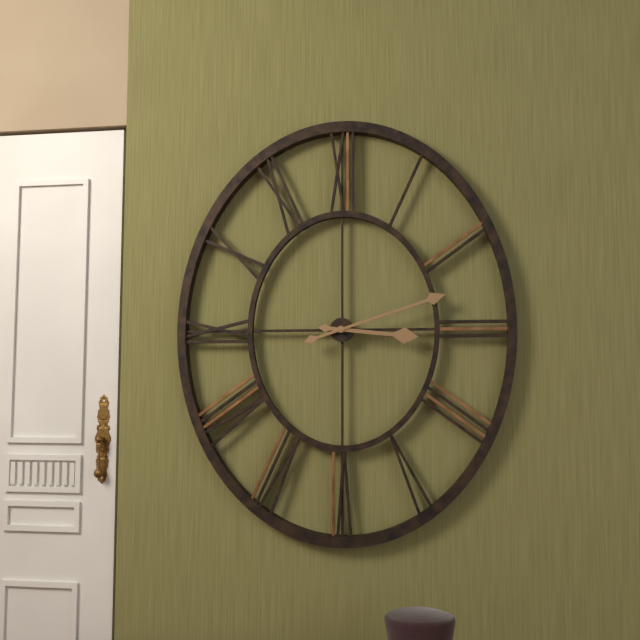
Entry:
3 h 12 min
